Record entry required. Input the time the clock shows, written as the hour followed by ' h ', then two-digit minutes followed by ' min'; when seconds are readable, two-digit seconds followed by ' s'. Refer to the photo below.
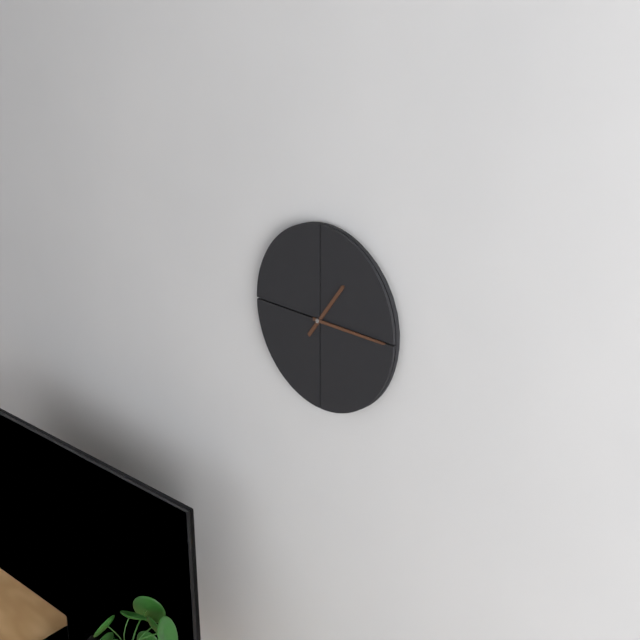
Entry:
1 h 15 min
